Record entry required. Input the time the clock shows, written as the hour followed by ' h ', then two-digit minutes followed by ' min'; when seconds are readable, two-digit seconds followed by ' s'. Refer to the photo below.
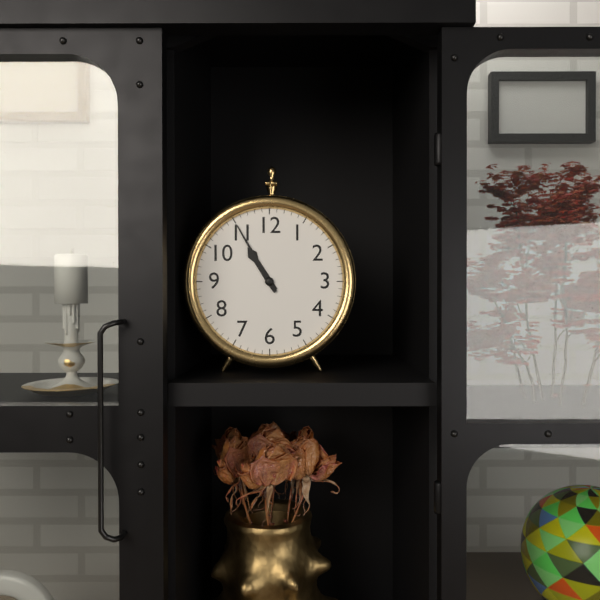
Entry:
10 h 55 min
